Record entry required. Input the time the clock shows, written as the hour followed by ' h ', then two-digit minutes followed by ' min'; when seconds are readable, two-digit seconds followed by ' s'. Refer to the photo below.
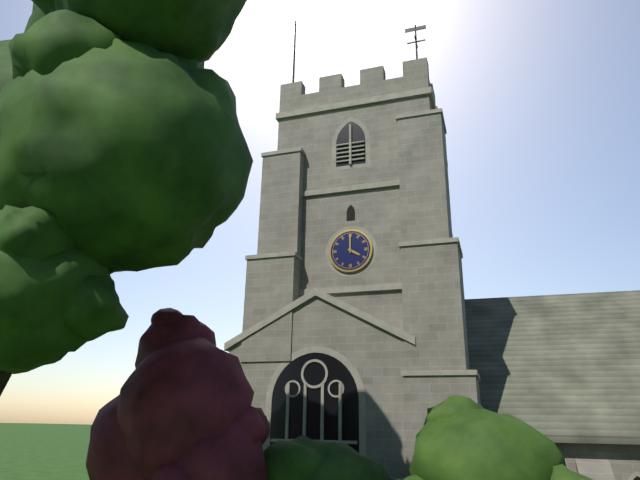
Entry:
4 h 00 min
